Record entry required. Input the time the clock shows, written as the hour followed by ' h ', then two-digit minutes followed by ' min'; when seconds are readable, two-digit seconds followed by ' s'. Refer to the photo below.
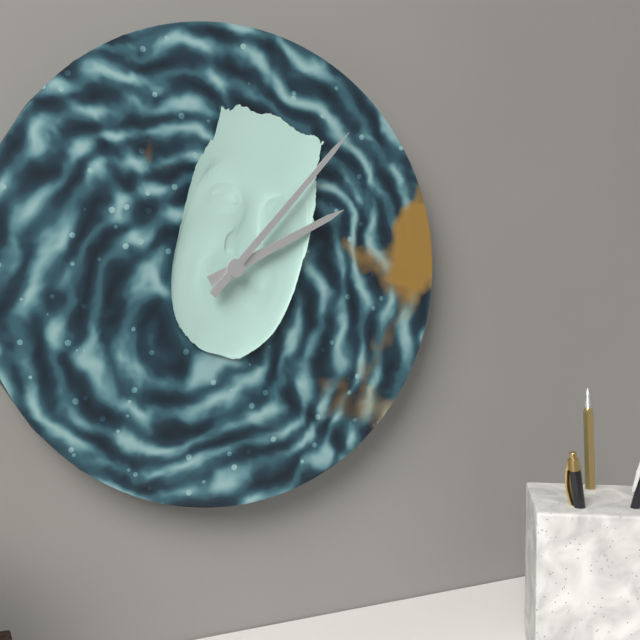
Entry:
2 h 07 min
